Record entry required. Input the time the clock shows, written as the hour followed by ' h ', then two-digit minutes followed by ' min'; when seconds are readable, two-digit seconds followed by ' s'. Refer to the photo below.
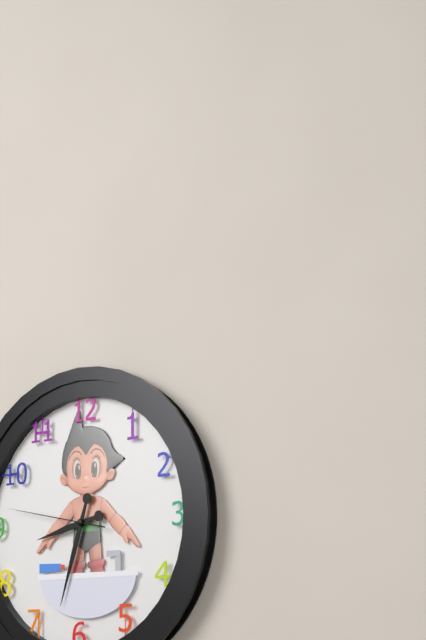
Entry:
8 h 33 min 47 s
